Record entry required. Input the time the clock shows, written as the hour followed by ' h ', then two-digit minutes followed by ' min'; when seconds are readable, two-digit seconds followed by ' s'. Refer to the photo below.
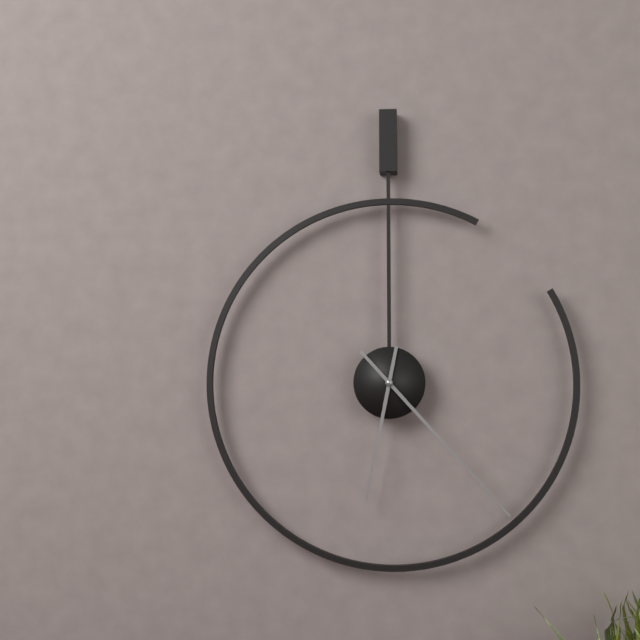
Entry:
6 h 23 min
